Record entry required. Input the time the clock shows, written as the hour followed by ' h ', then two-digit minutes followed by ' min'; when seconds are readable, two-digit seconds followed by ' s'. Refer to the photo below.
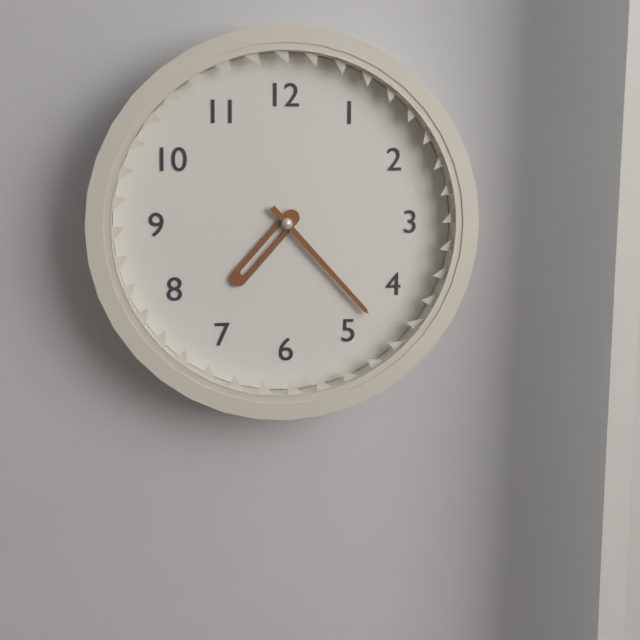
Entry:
7 h 23 min
